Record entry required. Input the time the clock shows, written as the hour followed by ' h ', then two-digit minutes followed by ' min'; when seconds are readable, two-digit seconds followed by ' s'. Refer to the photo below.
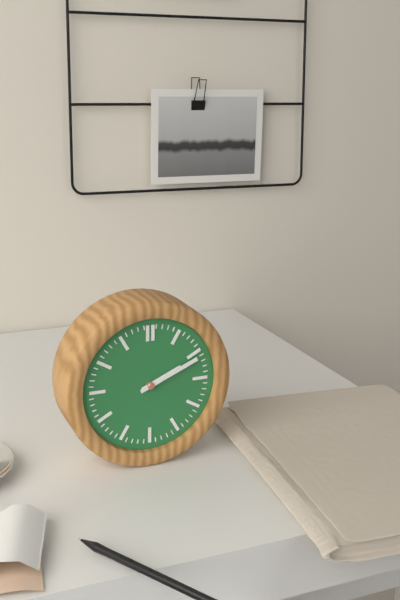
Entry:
2 h 11 min
